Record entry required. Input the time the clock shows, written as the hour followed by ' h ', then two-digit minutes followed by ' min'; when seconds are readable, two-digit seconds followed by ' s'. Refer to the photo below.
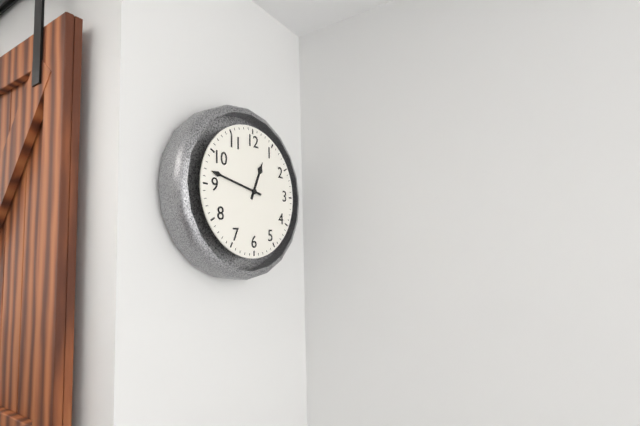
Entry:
12 h 47 min
